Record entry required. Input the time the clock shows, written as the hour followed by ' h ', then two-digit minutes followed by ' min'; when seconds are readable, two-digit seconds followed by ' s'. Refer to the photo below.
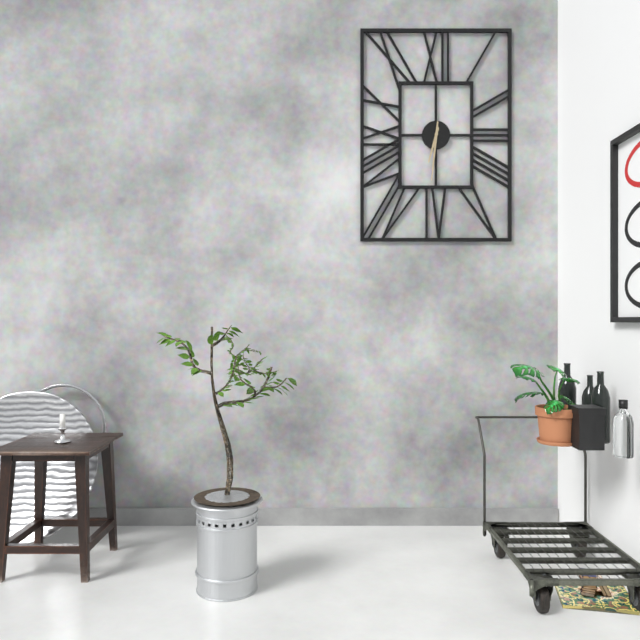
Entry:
6 h 31 min
